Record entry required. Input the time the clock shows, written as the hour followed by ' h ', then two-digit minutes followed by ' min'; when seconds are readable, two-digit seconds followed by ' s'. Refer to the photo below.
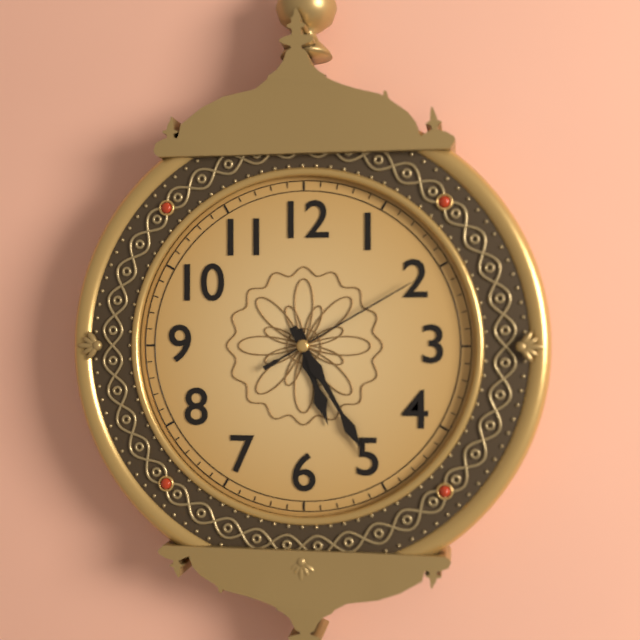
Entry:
5 h 25 min 10 s
